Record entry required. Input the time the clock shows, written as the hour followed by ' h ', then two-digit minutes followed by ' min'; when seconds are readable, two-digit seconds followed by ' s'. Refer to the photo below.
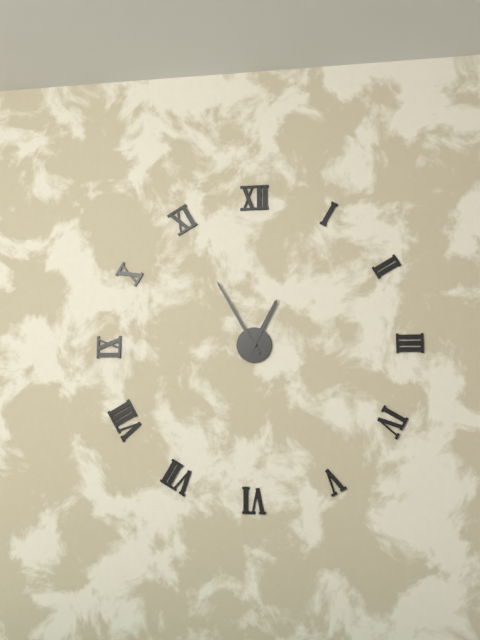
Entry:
12 h 55 min
